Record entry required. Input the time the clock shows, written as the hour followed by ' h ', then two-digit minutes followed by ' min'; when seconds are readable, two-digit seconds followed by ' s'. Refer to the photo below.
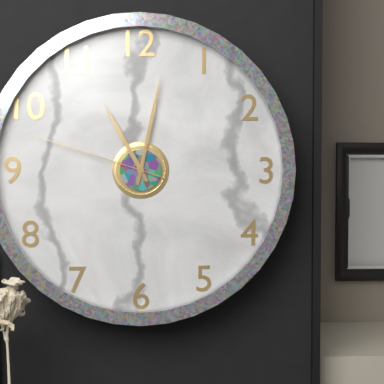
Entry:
11 h 02 min 48 s
